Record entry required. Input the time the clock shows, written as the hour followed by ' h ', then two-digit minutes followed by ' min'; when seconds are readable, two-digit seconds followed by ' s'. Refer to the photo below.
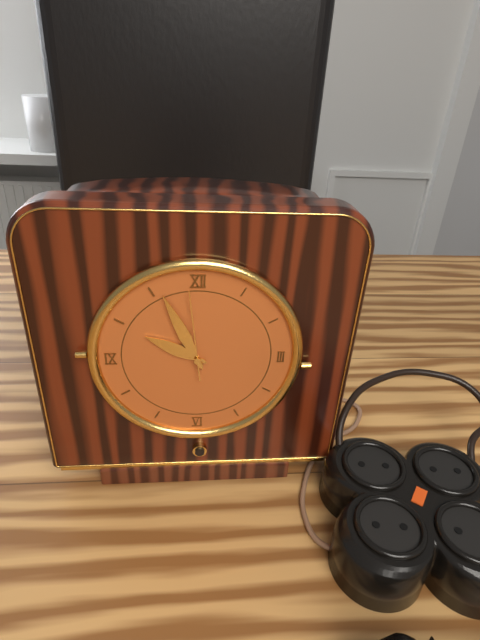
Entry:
9 h 56 min 59 s
